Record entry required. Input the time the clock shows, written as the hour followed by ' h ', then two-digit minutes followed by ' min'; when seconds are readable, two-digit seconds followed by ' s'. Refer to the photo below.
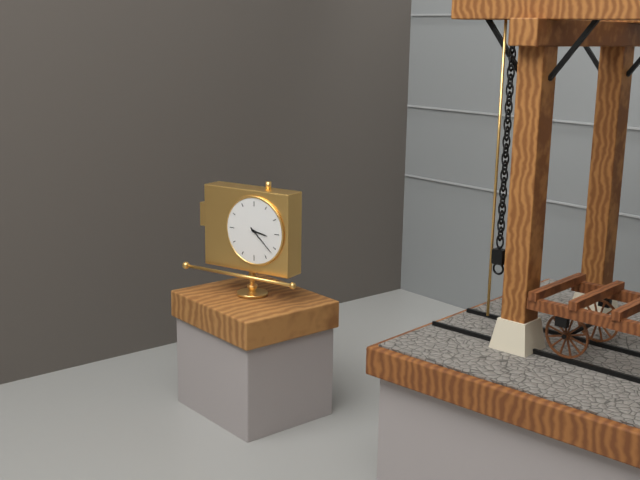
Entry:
3 h 22 min
